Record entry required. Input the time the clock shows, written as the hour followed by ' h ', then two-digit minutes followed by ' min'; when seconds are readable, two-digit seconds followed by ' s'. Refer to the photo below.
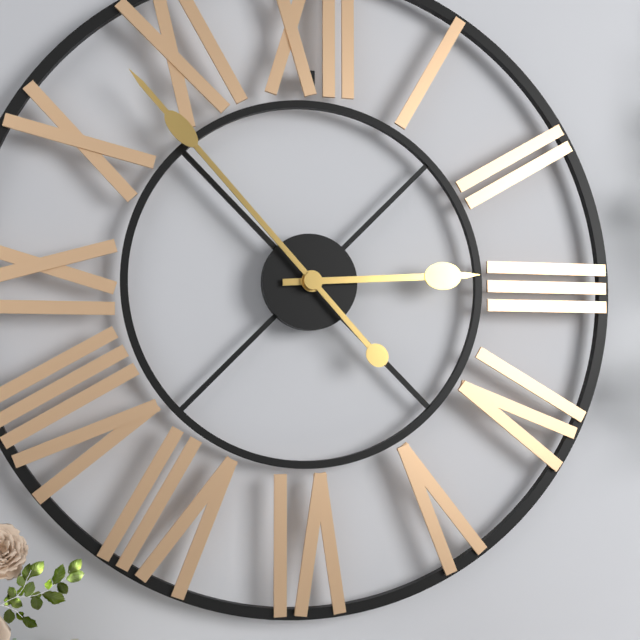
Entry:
2 h 53 min
